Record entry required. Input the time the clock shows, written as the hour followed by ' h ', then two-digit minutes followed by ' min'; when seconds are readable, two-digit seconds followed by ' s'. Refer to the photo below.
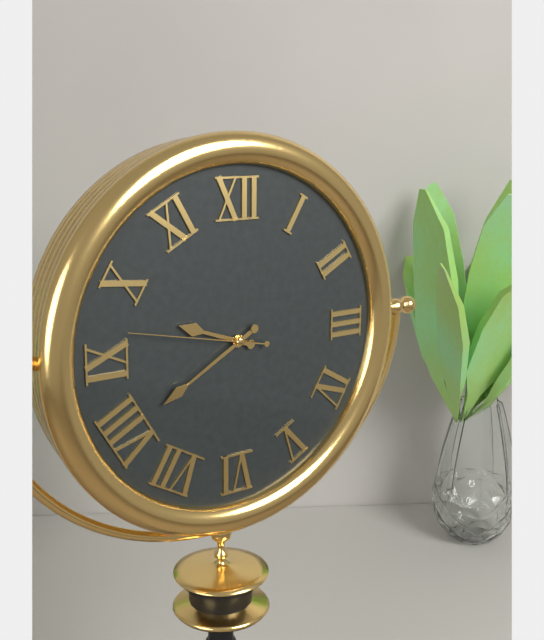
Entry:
9 h 40 min 47 s
